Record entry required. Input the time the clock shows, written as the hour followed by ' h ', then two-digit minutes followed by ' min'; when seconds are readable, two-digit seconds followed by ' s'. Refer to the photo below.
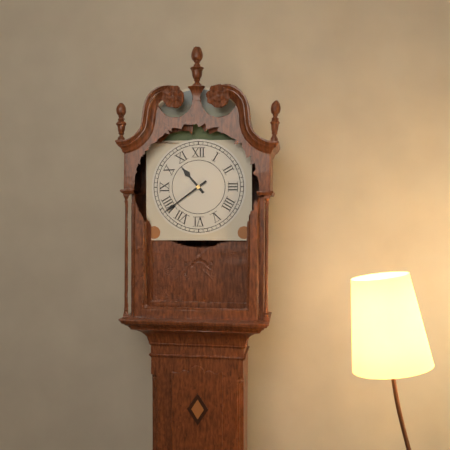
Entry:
10 h 39 min
